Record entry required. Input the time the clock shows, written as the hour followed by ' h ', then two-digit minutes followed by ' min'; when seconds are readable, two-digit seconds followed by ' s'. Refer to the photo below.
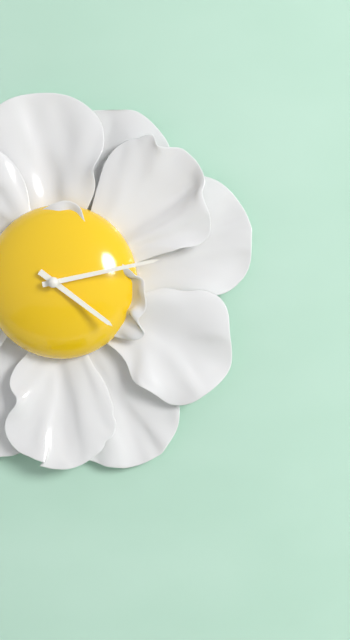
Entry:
4 h 13 min
